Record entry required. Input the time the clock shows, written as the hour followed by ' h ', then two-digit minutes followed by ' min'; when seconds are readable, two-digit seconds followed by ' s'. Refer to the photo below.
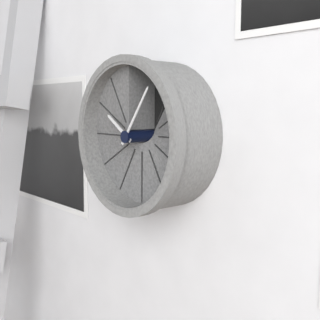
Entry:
10 h 06 min
